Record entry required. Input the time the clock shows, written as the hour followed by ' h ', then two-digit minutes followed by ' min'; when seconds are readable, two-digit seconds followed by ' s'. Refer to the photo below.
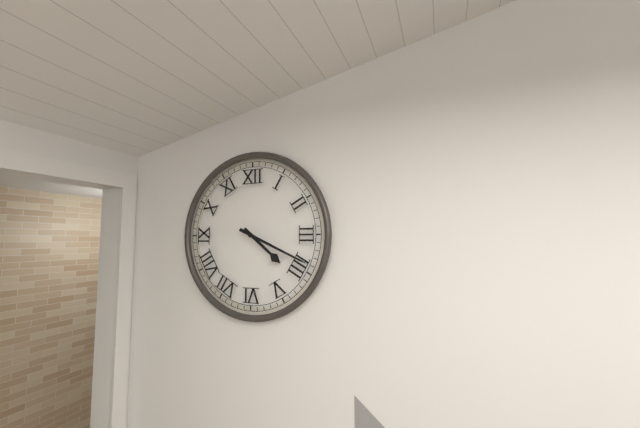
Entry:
4 h 19 min
